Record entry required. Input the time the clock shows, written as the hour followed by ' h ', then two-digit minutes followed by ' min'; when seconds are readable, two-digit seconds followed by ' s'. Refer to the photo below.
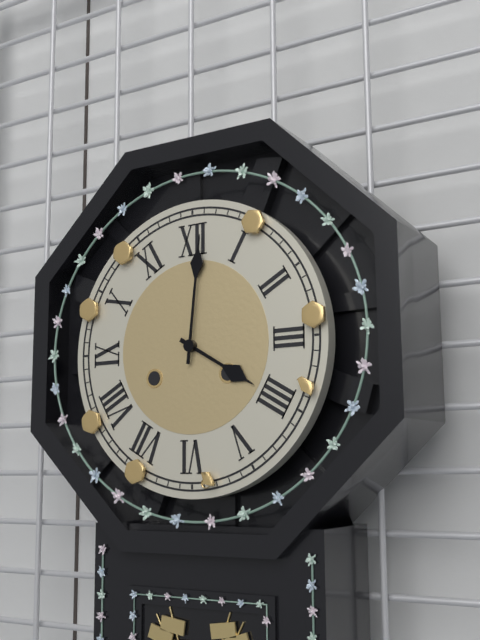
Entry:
4 h 01 min
